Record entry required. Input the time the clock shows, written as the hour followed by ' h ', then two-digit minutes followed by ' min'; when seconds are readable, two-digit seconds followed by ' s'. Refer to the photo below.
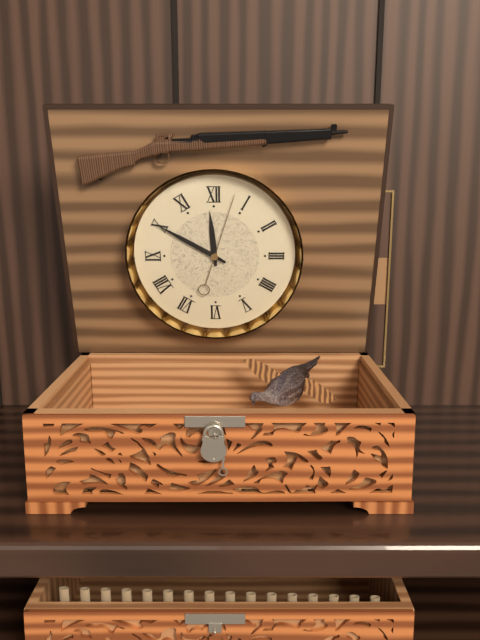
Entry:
11 h 50 min 03 s
